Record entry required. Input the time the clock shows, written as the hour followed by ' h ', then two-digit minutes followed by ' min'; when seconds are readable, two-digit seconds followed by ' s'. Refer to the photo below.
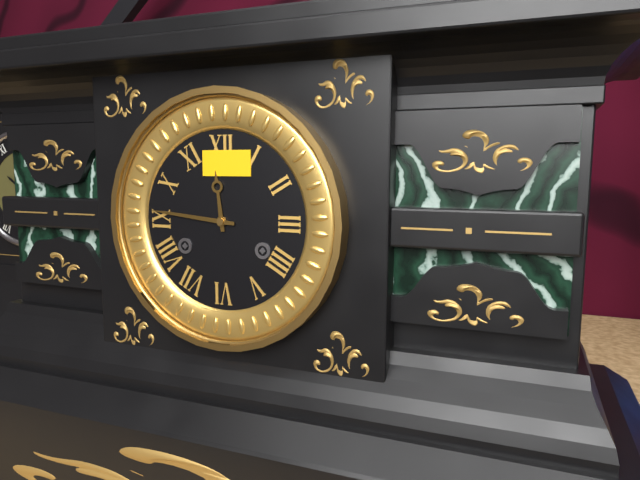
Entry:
11 h 46 min
